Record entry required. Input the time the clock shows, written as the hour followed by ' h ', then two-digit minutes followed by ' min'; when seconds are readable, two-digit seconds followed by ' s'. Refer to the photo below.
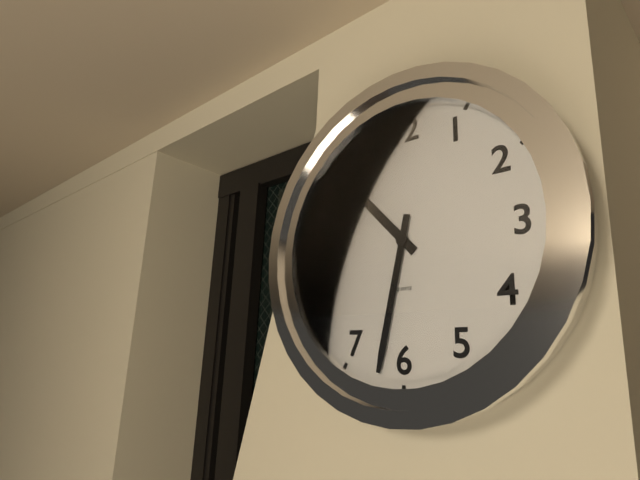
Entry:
10 h 32 min
